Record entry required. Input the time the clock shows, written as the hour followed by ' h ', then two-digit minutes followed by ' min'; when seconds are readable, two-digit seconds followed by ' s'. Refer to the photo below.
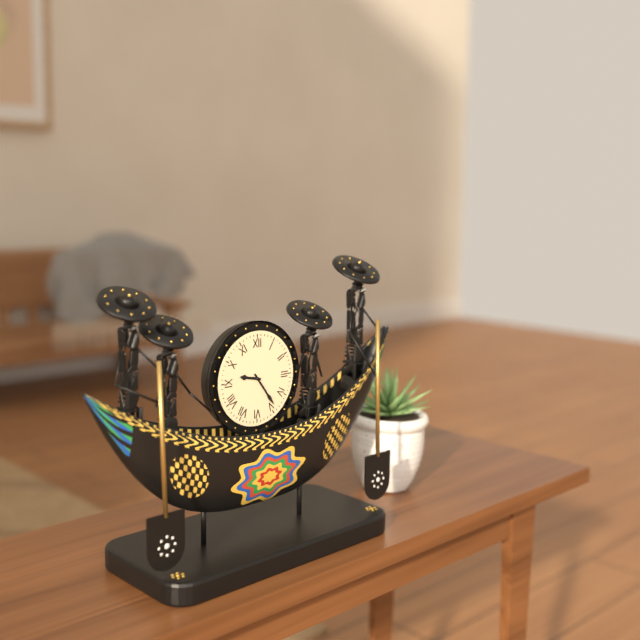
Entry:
9 h 24 min
